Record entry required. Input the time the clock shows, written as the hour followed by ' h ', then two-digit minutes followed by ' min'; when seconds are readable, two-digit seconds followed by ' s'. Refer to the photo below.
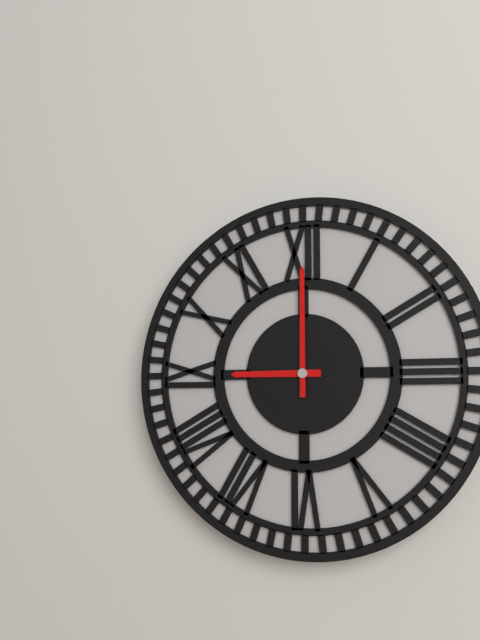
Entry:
9 h 00 min
